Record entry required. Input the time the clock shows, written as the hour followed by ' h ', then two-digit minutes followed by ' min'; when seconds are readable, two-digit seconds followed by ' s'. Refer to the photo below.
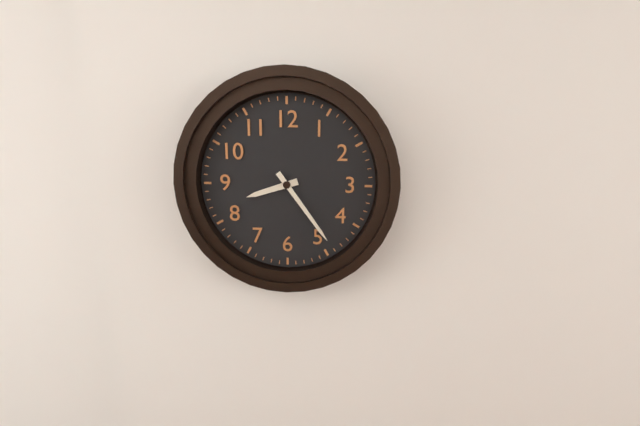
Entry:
8 h 24 min
